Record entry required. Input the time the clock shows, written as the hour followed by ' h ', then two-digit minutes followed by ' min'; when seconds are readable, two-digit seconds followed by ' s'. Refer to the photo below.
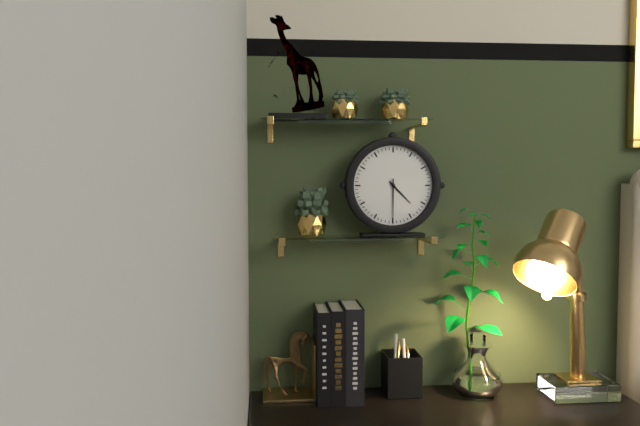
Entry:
4 h 30 min
